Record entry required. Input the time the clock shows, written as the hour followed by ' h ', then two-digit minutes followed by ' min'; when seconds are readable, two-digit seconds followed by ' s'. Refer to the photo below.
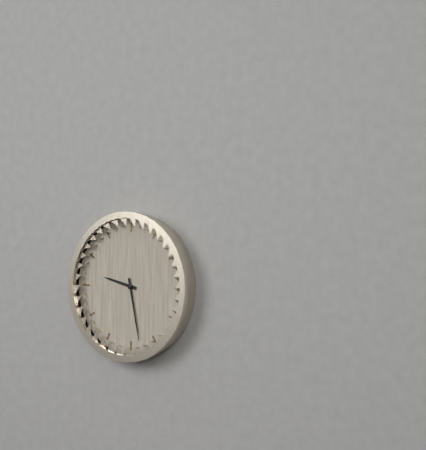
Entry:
9 h 28 min
